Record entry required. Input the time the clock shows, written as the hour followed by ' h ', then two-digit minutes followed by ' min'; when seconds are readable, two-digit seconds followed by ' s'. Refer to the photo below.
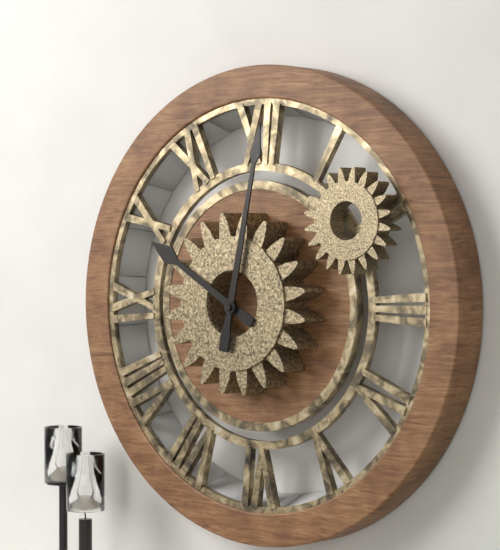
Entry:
10 h 02 min
